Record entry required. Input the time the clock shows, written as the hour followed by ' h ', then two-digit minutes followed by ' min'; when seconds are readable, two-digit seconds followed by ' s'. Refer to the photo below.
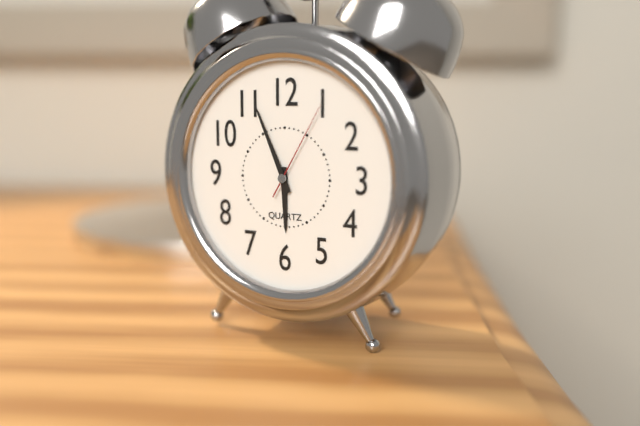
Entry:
5 h 56 min 05 s
